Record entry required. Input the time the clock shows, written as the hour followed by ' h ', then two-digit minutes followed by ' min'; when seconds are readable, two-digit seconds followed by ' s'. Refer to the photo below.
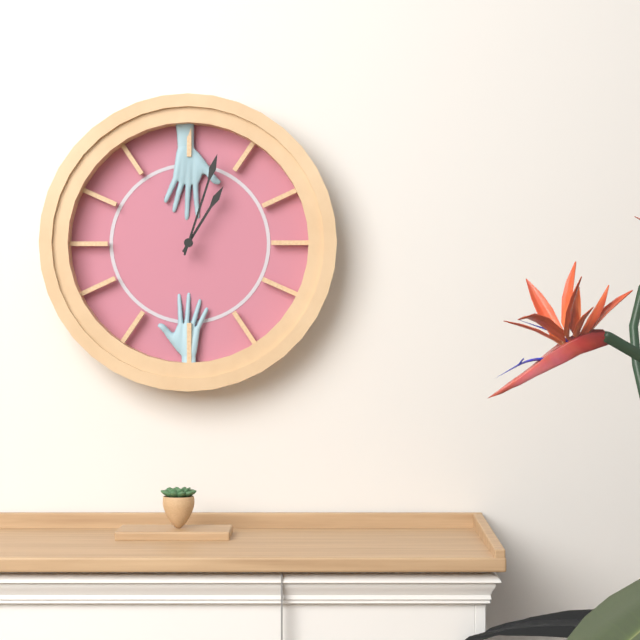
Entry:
1 h 03 min
